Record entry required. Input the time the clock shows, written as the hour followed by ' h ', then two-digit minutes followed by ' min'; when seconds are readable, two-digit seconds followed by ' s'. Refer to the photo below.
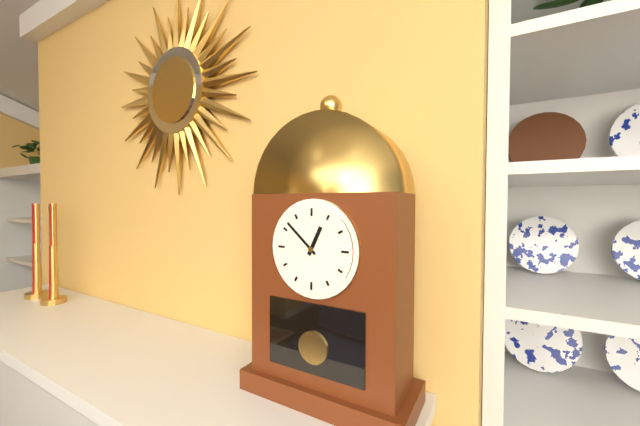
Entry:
12 h 52 min
